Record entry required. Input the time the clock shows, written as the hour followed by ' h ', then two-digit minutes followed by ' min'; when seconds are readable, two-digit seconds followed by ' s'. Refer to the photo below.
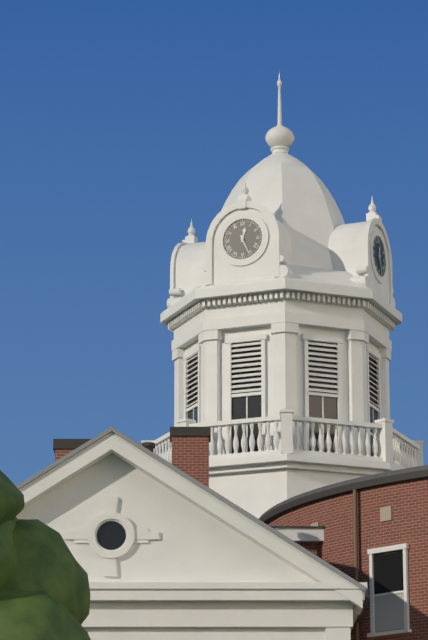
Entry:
12 h 26 min
